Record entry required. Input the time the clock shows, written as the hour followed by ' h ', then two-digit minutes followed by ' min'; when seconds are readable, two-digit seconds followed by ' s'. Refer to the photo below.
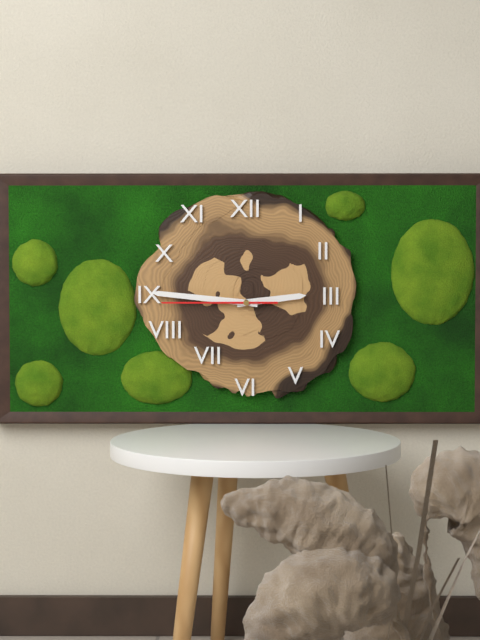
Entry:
2 h 46 min 45 s
